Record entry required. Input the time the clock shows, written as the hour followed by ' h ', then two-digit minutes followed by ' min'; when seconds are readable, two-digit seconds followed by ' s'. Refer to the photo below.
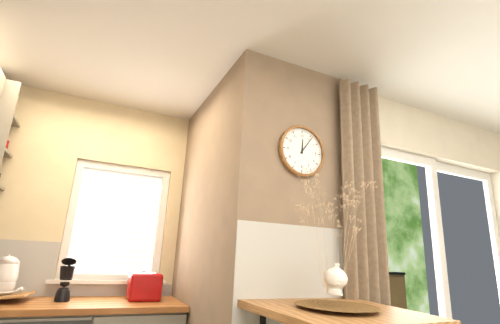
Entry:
12 h 06 min
